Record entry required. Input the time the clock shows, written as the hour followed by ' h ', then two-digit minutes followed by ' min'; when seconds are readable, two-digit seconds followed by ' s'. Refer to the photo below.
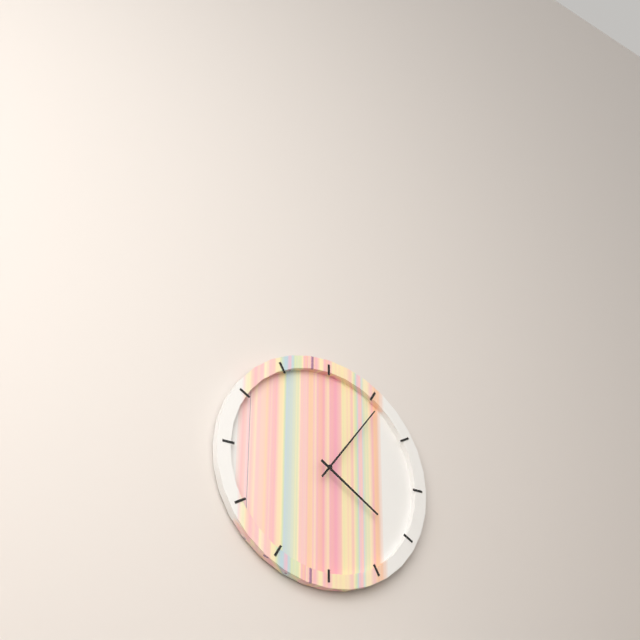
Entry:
4 h 06 min
